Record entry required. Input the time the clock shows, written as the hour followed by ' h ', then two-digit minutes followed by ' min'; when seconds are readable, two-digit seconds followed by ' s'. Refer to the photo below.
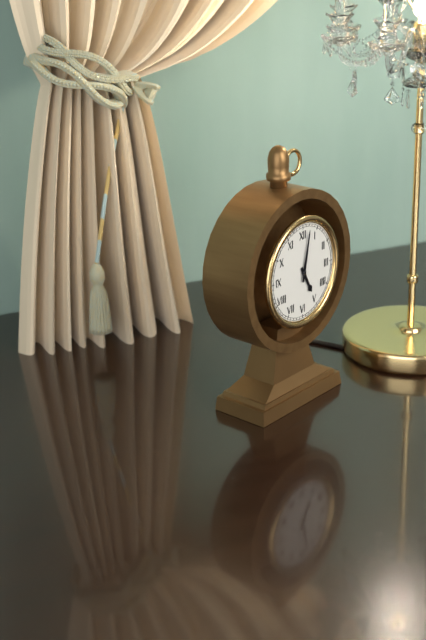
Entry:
5 h 02 min
